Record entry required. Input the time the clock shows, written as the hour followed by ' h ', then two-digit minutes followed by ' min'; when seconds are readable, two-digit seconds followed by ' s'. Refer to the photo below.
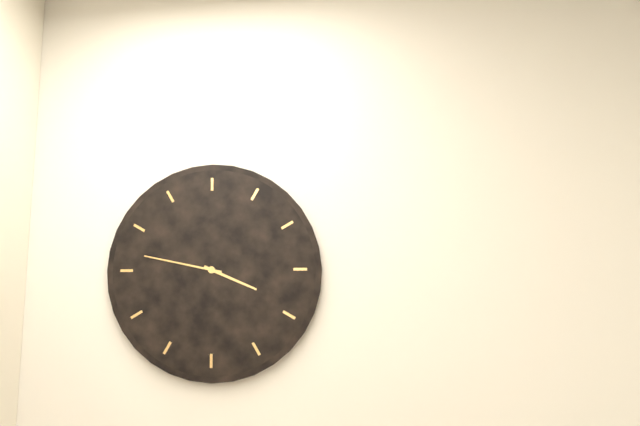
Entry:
3 h 47 min
